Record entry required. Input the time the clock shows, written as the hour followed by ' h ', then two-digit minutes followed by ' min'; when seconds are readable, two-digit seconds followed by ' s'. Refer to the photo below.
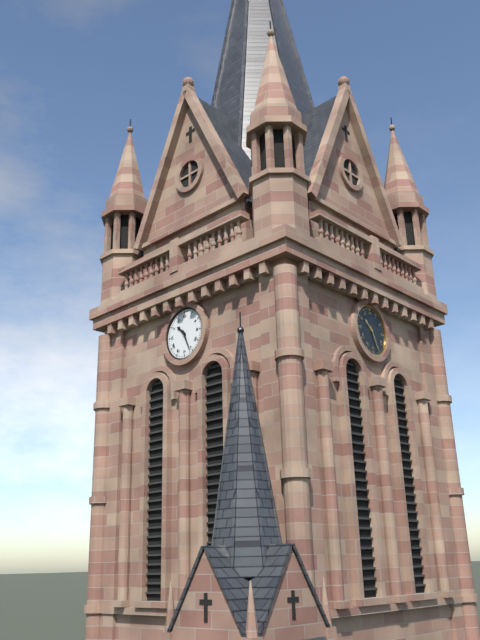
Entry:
10 h 26 min
